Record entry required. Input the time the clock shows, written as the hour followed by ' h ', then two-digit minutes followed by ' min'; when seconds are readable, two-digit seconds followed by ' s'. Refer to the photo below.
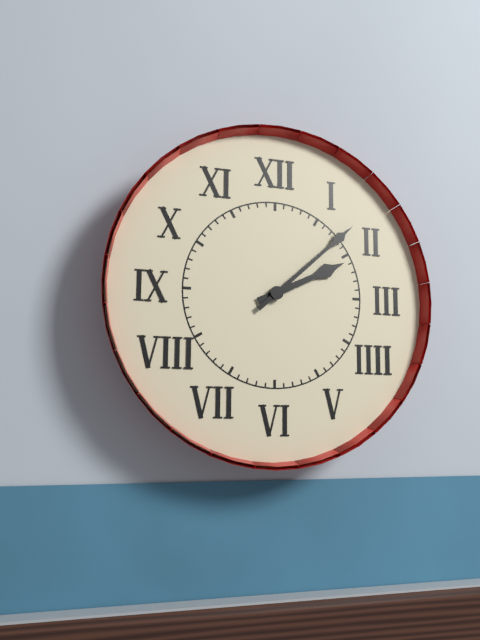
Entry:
2 h 08 min
